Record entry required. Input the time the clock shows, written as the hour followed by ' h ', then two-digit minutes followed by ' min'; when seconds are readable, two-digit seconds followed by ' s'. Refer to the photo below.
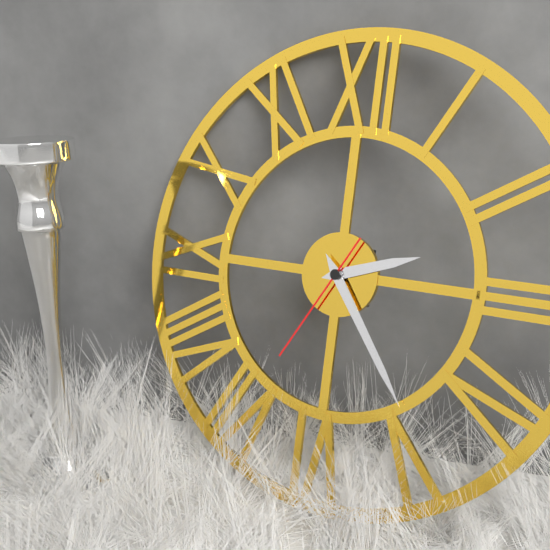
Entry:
2 h 24 min 35 s
